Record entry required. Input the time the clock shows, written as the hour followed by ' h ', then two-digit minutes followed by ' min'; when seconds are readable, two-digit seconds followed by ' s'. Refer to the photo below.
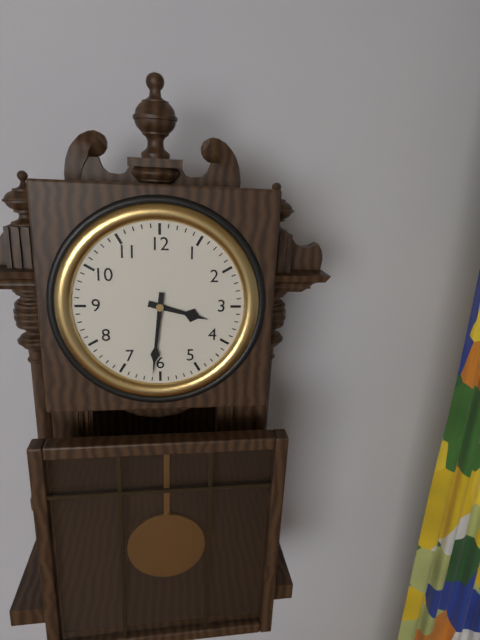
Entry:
3 h 31 min
